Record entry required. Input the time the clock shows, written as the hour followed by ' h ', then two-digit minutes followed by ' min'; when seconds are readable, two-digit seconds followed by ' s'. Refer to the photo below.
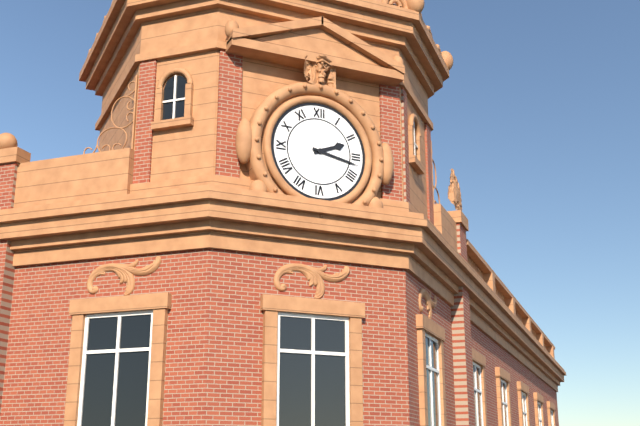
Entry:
2 h 17 min
